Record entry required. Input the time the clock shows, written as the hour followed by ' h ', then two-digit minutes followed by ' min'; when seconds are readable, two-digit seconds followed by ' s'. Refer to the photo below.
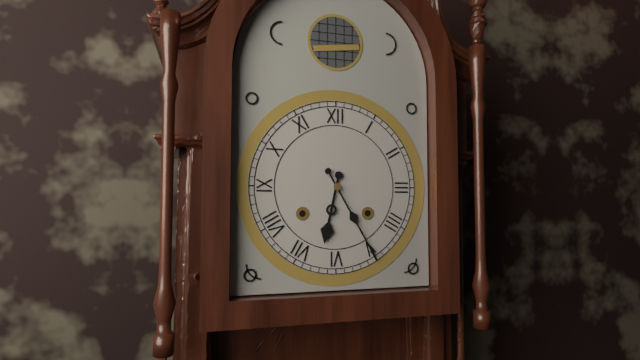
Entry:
6 h 25 min
